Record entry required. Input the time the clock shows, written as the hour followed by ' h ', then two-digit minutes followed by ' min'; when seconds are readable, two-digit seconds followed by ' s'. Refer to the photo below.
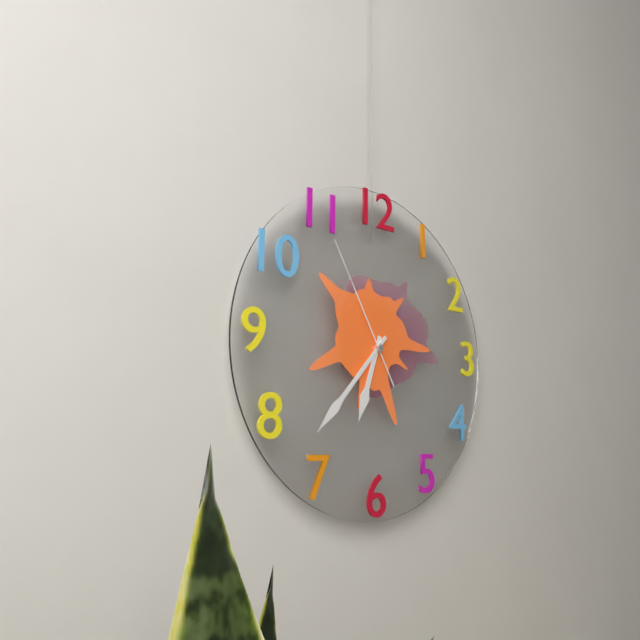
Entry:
6 h 37 min 55 s
